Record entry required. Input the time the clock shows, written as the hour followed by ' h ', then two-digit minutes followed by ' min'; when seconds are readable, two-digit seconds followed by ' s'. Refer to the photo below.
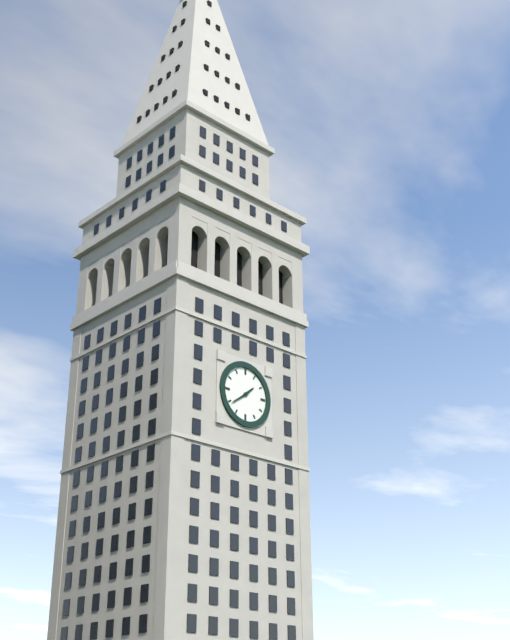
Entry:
1 h 39 min
